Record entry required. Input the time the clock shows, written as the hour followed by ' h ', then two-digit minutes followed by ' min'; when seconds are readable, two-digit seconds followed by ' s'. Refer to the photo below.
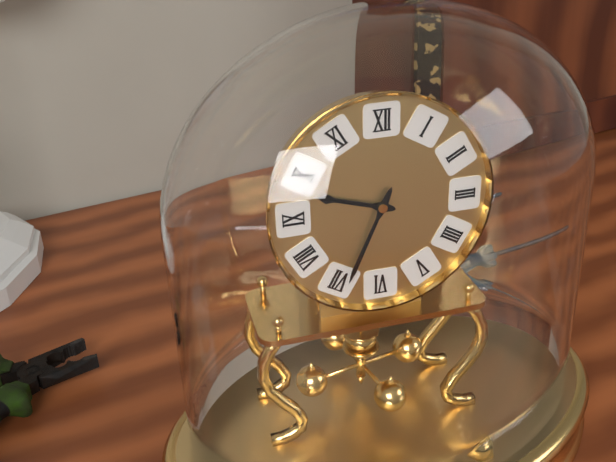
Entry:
9 h 34 min
